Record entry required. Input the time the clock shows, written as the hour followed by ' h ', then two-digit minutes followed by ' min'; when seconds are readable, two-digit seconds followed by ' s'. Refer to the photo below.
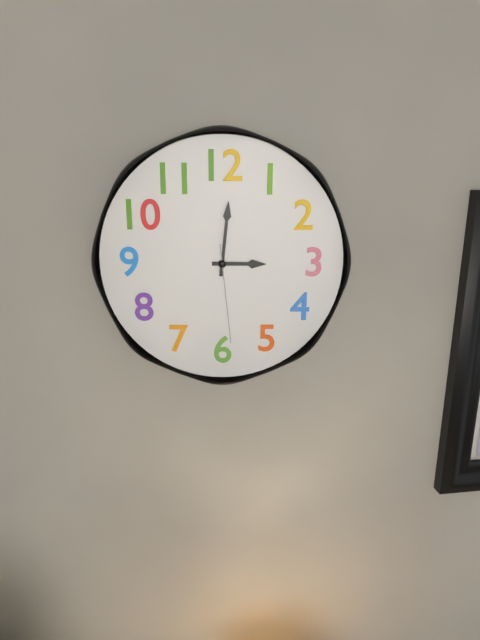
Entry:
3 h 01 min 29 s
